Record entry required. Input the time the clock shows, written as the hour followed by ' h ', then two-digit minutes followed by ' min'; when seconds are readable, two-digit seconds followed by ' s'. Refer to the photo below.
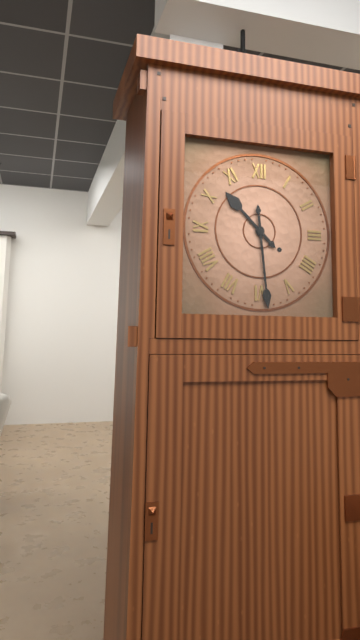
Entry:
10 h 29 min
